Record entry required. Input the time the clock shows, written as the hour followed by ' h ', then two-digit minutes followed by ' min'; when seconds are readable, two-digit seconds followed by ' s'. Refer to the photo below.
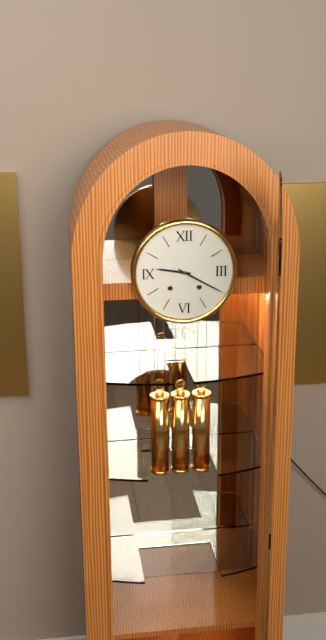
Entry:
9 h 20 min
